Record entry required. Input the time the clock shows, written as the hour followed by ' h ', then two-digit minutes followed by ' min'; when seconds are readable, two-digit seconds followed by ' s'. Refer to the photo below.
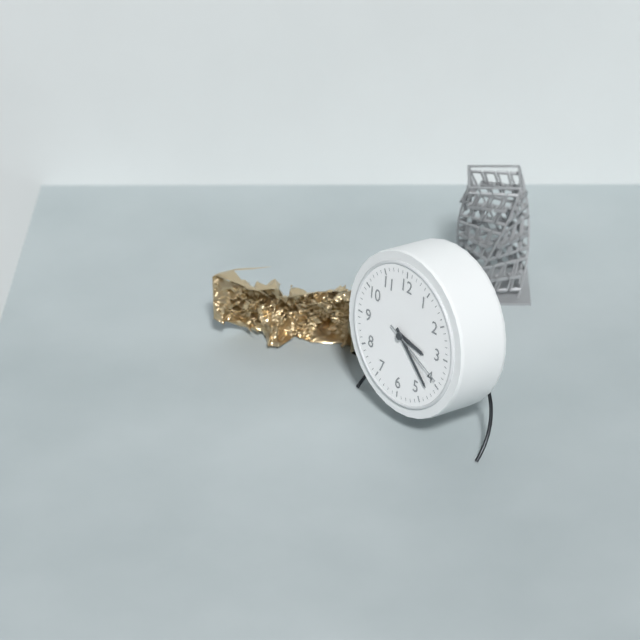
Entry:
3 h 22 min 19 s
